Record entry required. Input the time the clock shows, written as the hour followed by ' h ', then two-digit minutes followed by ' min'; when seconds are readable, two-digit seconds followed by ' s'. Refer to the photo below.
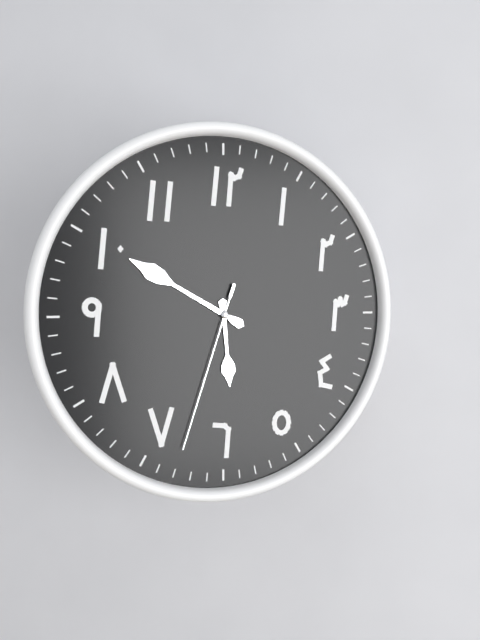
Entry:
5 h 50 min 33 s
